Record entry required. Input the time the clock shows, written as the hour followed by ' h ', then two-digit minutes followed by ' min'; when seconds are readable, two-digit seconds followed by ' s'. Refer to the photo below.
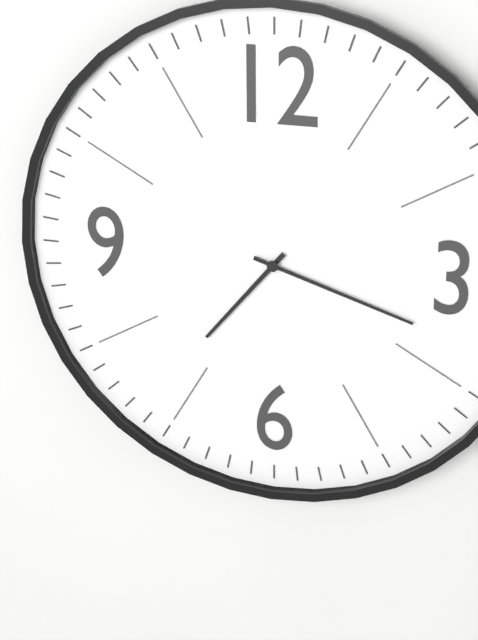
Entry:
7 h 18 min
